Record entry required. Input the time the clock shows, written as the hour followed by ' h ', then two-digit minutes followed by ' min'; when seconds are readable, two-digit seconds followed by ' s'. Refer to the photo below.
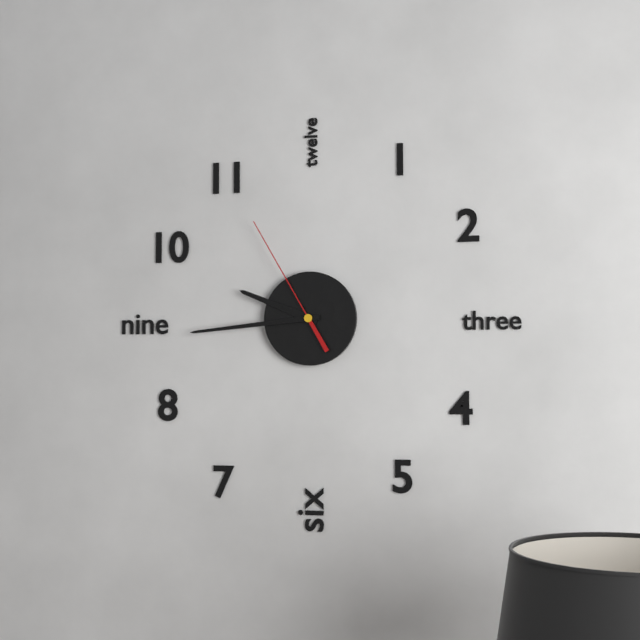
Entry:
9 h 44 min 55 s
